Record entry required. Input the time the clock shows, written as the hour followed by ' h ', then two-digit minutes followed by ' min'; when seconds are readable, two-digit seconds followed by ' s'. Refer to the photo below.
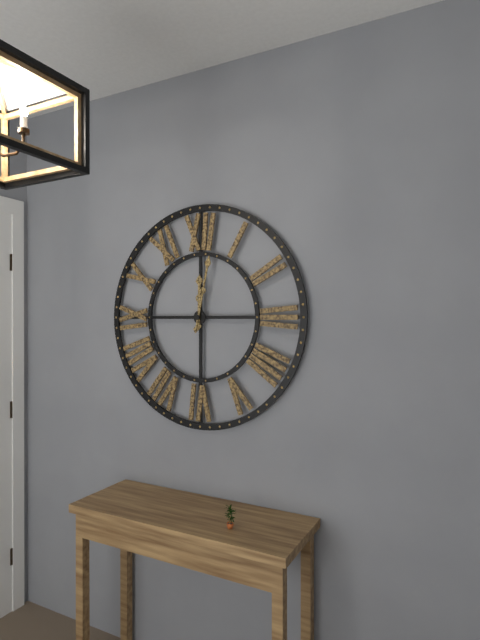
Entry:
12 h 02 min
